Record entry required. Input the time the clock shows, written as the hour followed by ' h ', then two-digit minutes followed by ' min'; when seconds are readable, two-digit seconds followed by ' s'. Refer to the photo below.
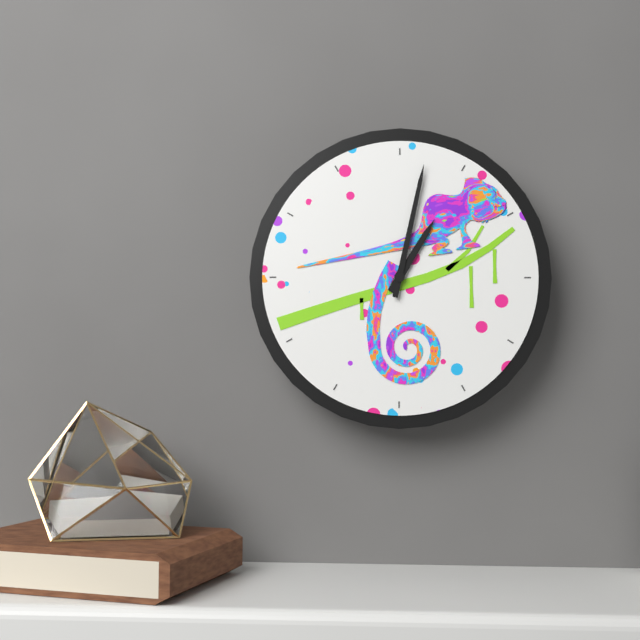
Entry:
1 h 02 min
